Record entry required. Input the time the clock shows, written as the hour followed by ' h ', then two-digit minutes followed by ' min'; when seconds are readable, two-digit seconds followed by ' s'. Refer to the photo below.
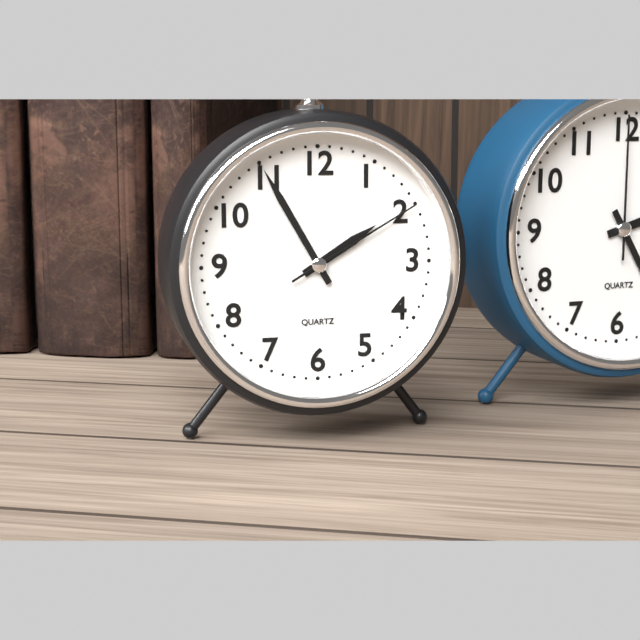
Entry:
1 h 55 min 10 s
